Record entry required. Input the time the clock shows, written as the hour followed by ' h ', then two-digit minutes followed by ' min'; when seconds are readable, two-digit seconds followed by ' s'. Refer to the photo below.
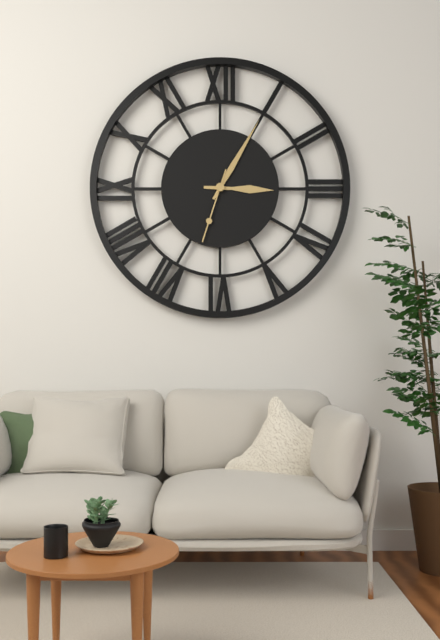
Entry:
3 h 05 min 33 s
